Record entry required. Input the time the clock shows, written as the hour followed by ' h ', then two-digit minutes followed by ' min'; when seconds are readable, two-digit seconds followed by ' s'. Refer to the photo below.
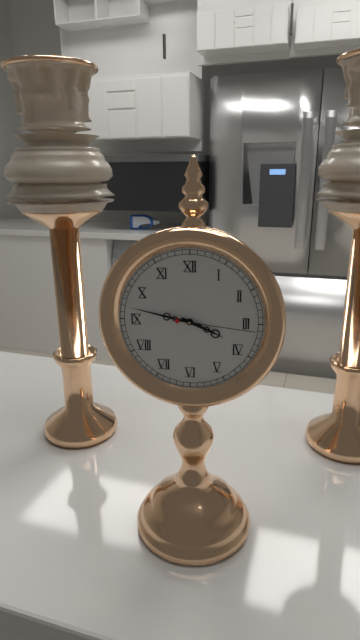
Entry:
3 h 47 min 16 s
